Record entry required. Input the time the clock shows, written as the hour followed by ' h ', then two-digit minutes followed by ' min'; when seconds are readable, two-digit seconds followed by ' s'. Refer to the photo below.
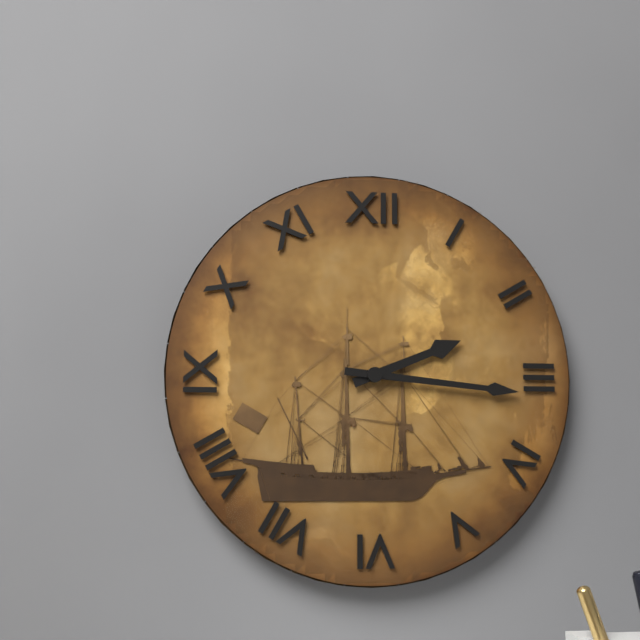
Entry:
2 h 16 min
